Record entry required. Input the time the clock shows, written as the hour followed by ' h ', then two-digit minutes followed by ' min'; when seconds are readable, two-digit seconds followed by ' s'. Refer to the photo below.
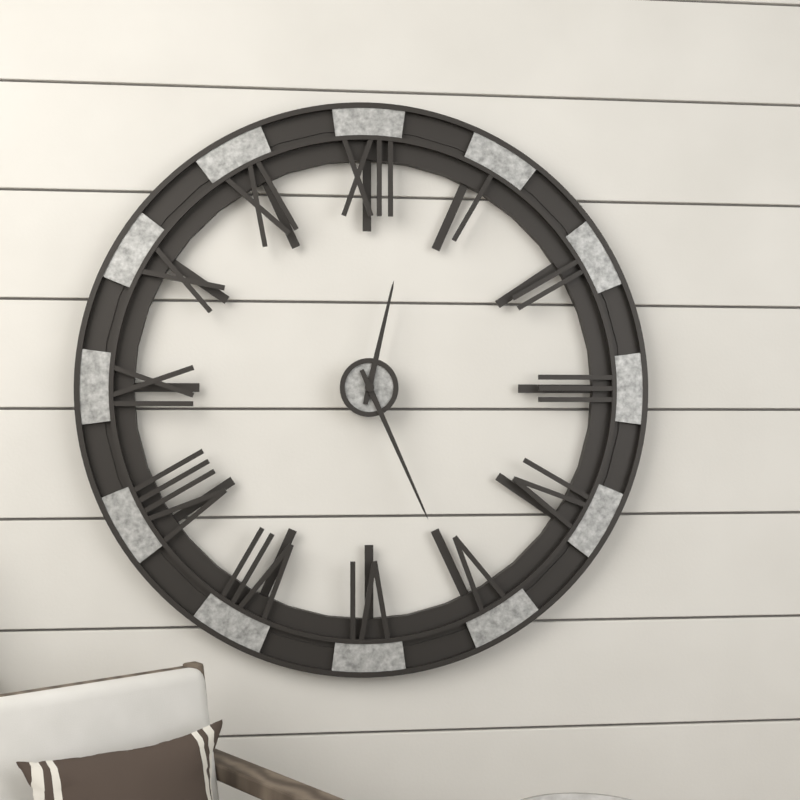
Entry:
12 h 26 min
